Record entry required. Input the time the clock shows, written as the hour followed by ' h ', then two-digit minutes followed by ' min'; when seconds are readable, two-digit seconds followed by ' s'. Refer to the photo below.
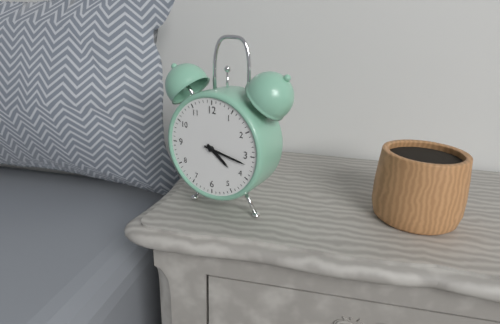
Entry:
4 h 17 min
